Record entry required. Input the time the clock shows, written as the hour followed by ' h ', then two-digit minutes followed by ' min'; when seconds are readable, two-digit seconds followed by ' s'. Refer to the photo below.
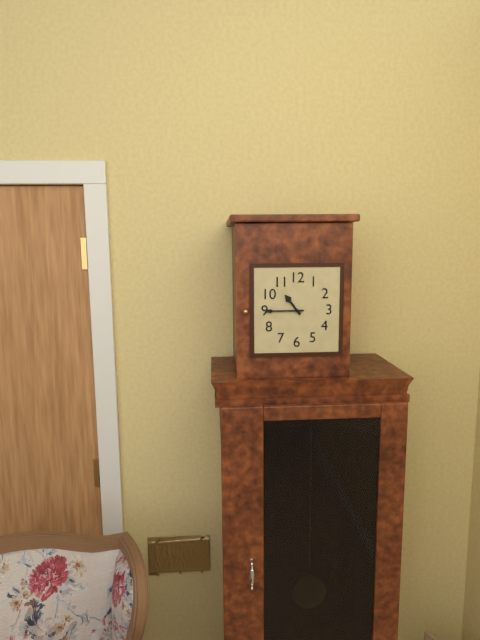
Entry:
10 h 45 min
